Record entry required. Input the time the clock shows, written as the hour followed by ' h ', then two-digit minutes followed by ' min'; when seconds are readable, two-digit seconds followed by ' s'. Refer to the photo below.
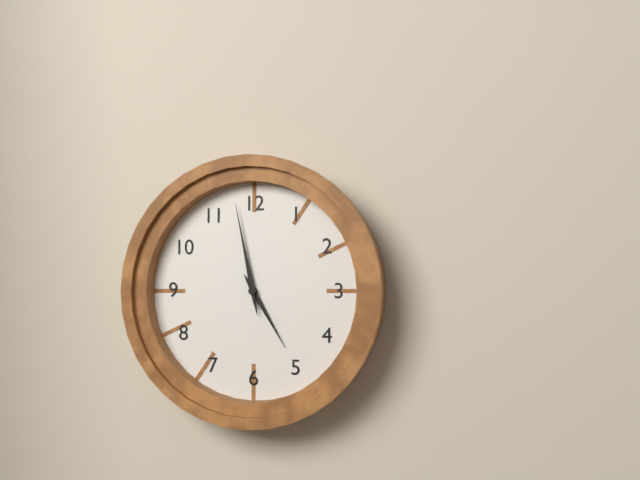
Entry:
4 h 58 min
